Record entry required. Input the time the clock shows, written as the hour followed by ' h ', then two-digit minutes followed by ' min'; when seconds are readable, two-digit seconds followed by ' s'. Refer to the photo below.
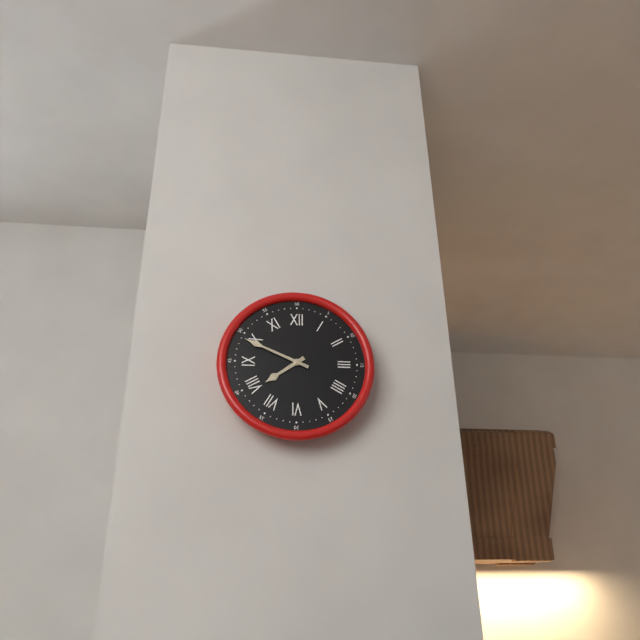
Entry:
7 h 49 min
